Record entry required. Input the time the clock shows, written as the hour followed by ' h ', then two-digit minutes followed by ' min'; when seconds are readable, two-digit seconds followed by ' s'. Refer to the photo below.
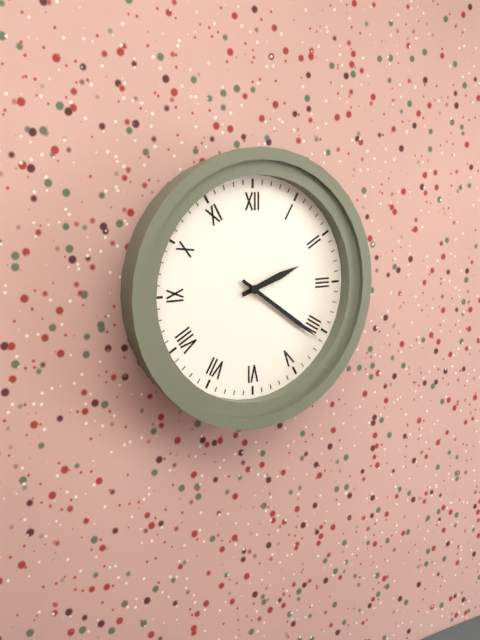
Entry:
2 h 21 min
